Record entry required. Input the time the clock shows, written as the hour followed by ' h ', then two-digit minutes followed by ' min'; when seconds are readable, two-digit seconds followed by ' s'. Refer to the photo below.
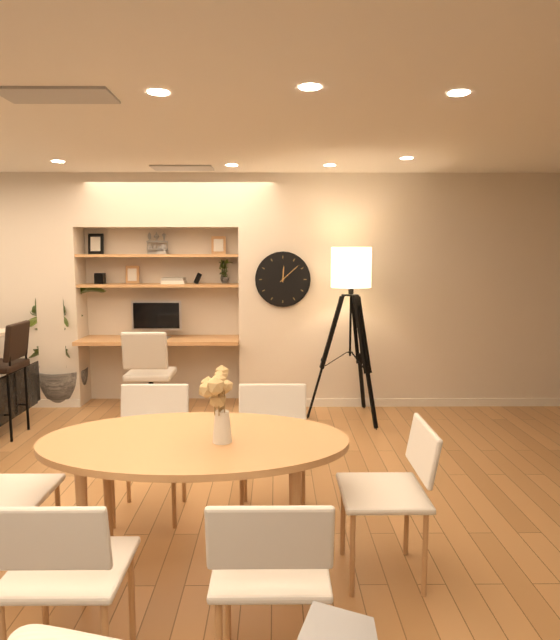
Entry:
12 h 08 min
